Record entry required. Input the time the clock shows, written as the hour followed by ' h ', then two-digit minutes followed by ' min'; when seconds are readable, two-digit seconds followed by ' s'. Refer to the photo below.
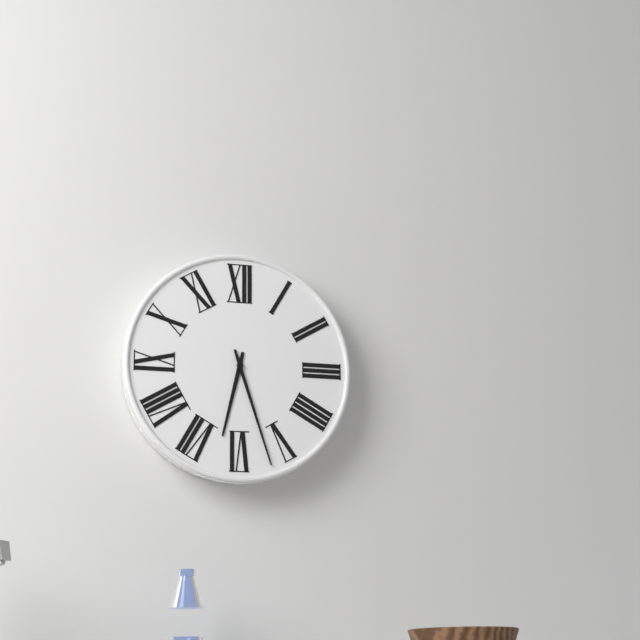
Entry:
6 h 27 min
